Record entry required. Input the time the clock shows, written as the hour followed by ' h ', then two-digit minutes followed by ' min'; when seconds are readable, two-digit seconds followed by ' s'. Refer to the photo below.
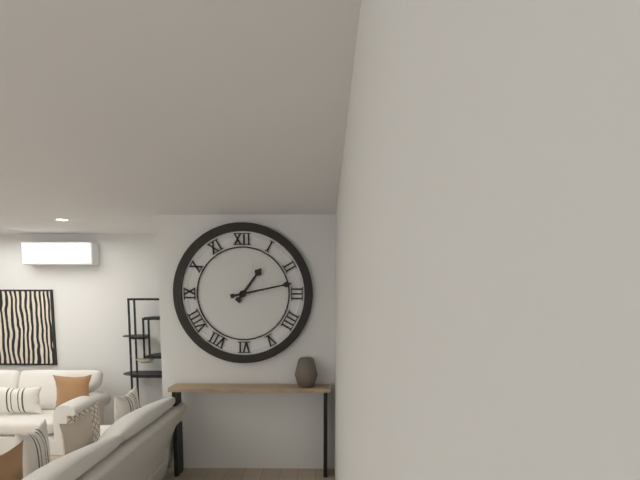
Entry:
1 h 13 min
